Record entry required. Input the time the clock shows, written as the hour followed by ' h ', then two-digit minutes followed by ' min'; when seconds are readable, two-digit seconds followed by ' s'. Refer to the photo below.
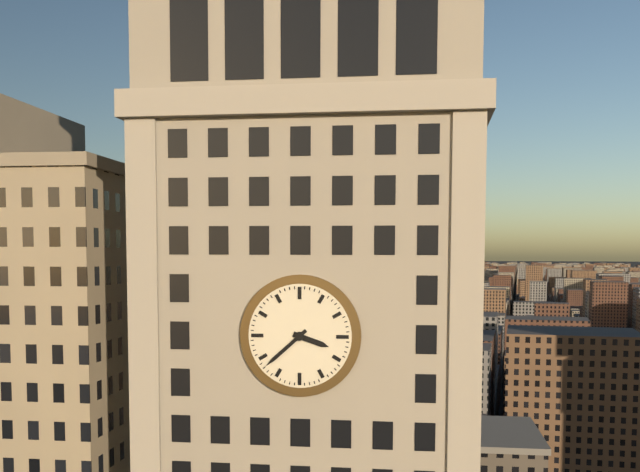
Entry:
3 h 38 min
